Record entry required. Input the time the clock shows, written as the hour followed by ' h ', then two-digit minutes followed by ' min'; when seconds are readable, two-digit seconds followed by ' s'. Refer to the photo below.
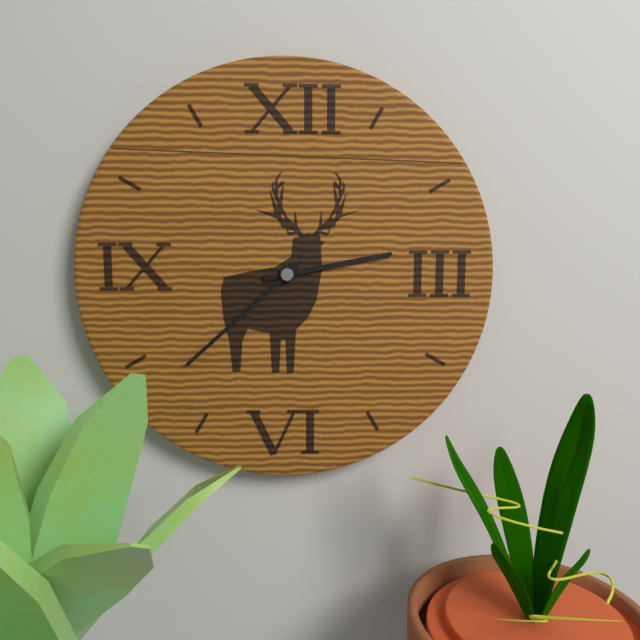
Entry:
2 h 38 min
